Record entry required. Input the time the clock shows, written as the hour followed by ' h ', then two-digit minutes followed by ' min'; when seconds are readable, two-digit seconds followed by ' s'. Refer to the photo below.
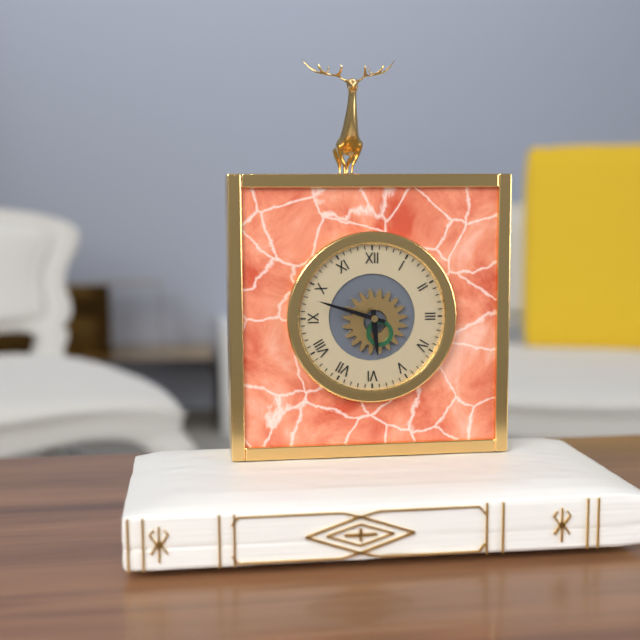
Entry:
5 h 48 min
